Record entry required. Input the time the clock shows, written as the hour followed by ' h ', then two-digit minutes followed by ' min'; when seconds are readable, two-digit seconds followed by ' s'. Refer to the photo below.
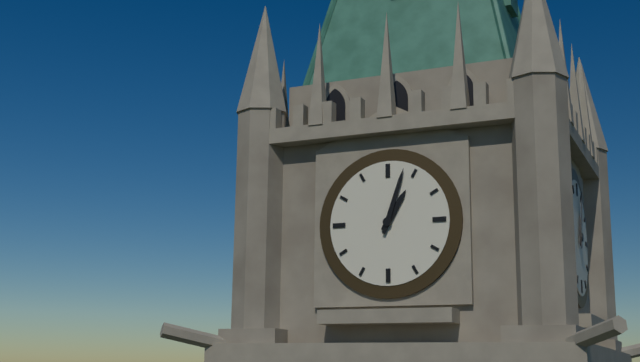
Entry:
1 h 03 min
